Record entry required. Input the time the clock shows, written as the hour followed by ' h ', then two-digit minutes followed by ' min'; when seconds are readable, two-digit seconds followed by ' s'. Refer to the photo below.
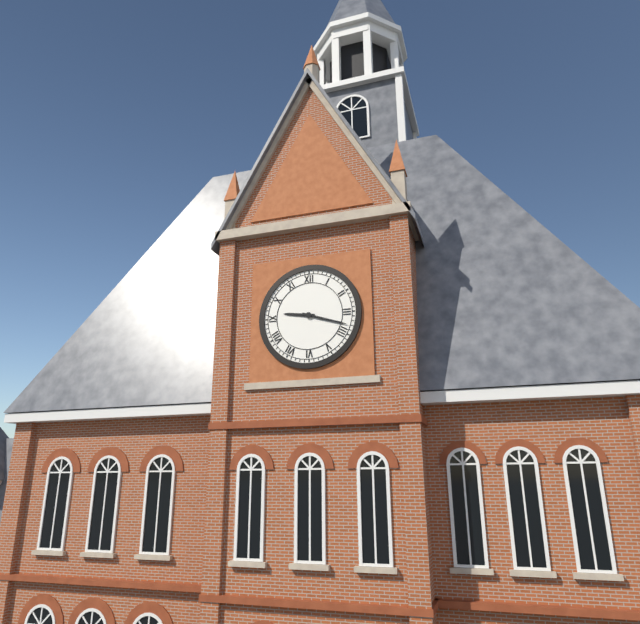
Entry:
9 h 18 min
